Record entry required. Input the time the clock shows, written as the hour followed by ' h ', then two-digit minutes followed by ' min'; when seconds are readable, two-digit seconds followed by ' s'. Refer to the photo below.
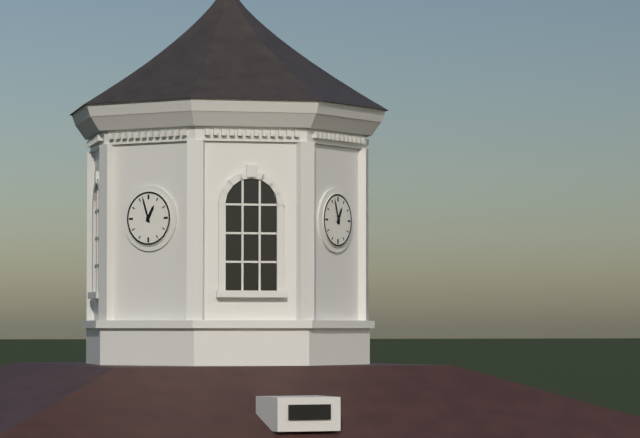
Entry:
12 h 57 min
